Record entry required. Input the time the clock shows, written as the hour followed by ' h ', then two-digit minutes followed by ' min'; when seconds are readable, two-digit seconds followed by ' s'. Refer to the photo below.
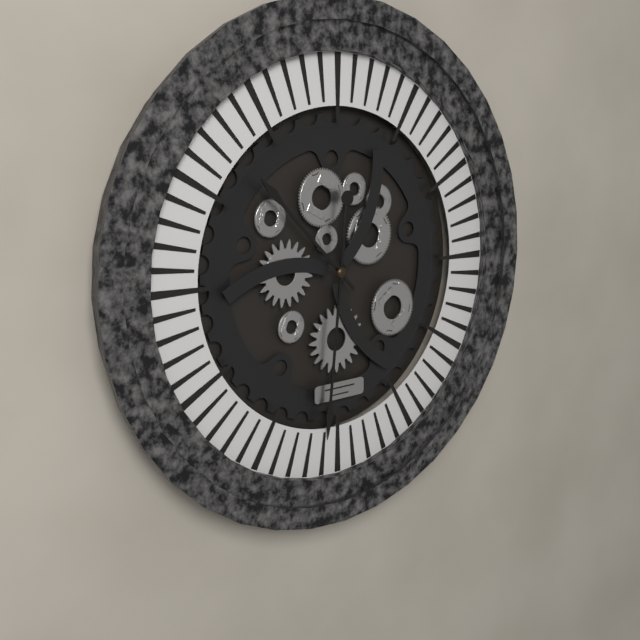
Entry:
10 h 31 min
